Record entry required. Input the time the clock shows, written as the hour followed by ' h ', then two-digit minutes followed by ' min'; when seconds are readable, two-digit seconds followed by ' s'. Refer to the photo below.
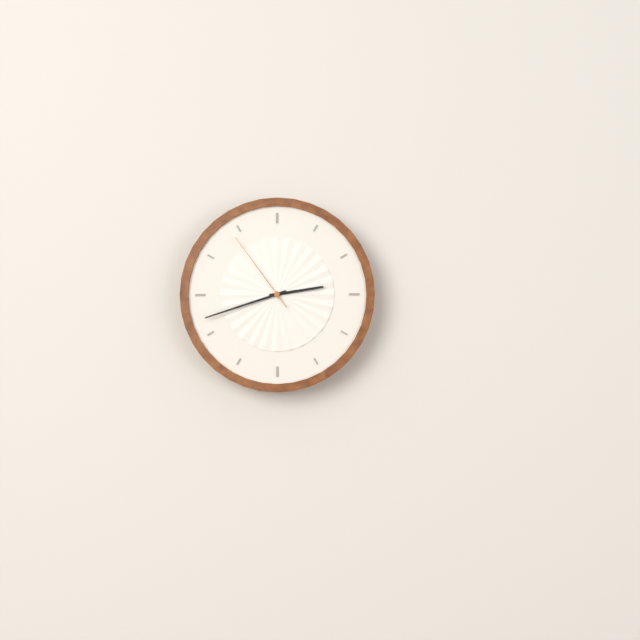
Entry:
2 h 42 min 54 s
